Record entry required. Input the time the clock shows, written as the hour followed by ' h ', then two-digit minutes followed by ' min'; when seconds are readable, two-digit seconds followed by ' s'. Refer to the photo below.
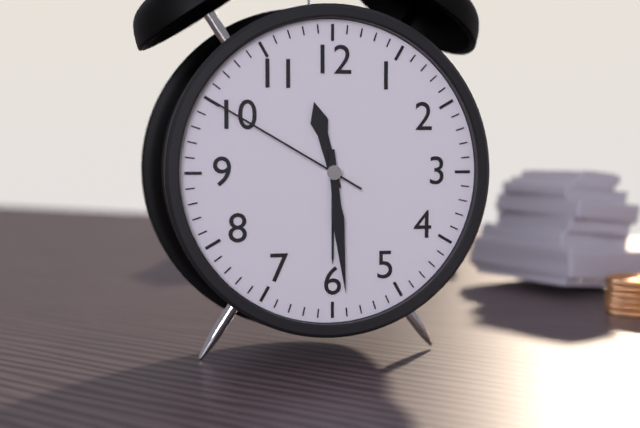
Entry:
11 h 29 min 50 s
